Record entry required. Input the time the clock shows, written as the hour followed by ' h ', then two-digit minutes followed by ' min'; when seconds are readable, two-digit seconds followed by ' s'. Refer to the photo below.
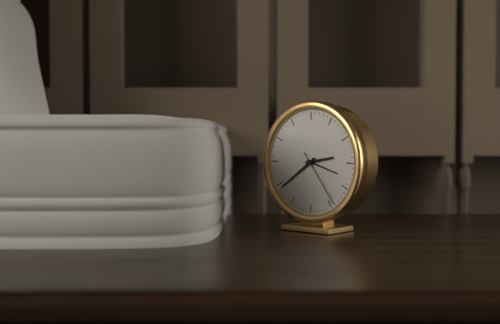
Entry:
2 h 39 min 24 s
